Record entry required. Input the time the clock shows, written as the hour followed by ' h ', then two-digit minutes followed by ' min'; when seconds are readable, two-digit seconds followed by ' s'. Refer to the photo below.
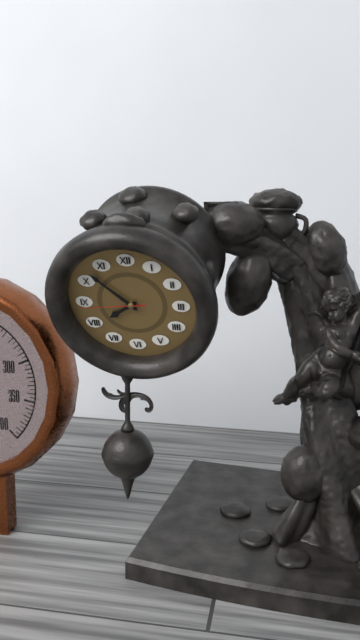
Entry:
7 h 52 min 44 s
